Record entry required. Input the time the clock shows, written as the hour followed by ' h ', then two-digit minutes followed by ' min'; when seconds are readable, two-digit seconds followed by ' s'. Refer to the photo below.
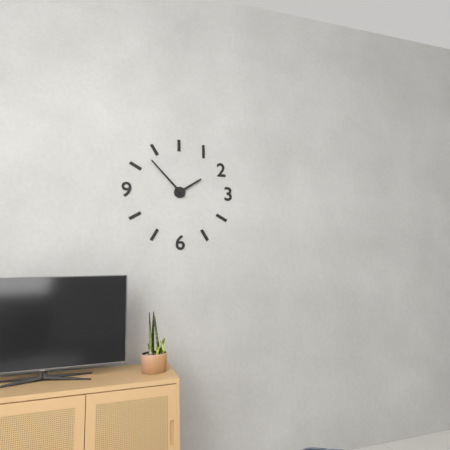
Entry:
1 h 53 min
